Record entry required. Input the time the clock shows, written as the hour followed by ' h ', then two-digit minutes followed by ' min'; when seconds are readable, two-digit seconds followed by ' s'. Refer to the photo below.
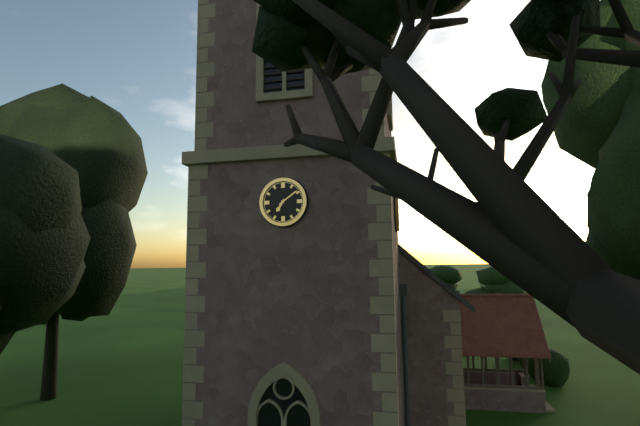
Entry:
7 h 09 min
